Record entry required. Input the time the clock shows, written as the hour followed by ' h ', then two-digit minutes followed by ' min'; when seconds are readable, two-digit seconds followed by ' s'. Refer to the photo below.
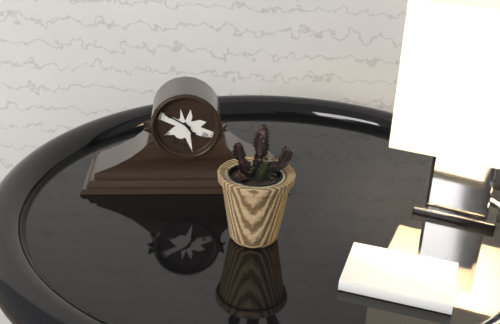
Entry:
4 h 50 min
